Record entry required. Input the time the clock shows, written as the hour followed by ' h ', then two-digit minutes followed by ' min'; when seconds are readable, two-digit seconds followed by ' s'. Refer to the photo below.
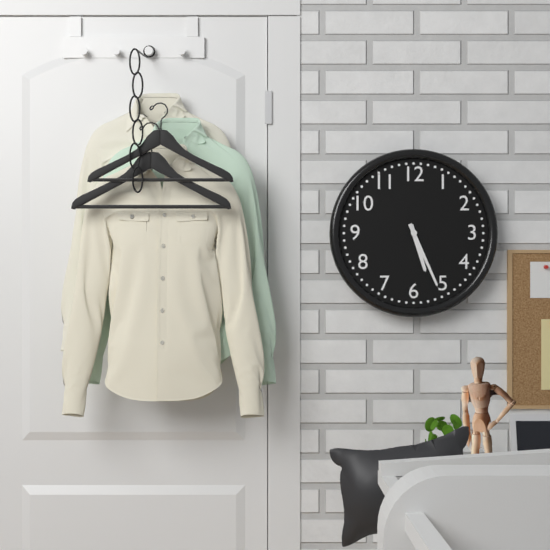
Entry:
5 h 26 min
